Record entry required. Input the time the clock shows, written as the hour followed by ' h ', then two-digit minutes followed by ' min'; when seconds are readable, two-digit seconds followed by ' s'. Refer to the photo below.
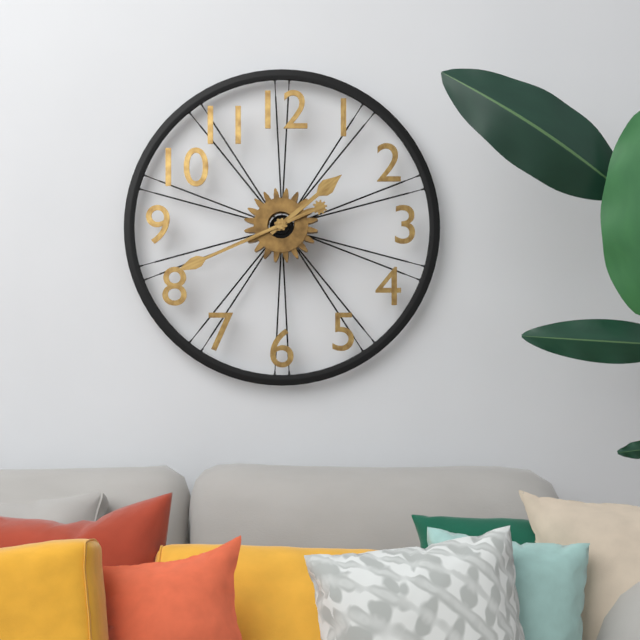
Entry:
1 h 41 min
